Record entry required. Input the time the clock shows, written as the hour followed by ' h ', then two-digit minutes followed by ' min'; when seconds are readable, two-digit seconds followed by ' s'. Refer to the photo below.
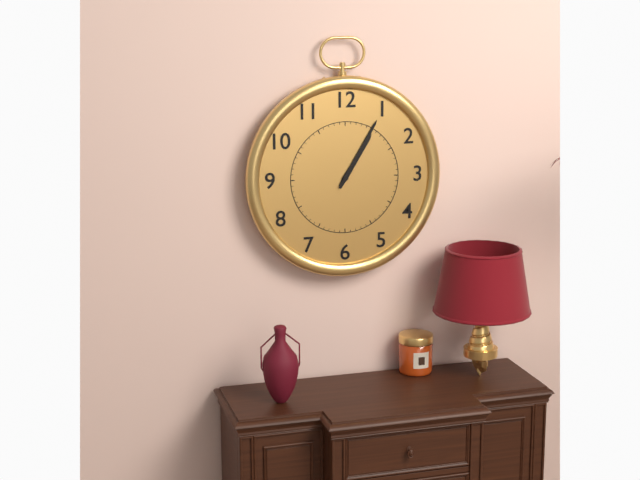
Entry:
1 h 05 min
